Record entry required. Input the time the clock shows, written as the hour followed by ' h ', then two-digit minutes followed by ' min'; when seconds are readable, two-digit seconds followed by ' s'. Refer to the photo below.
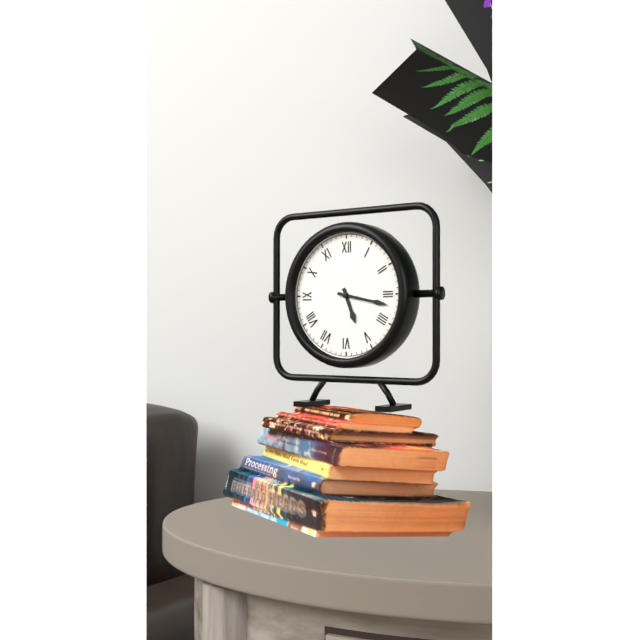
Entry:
5 h 17 min
